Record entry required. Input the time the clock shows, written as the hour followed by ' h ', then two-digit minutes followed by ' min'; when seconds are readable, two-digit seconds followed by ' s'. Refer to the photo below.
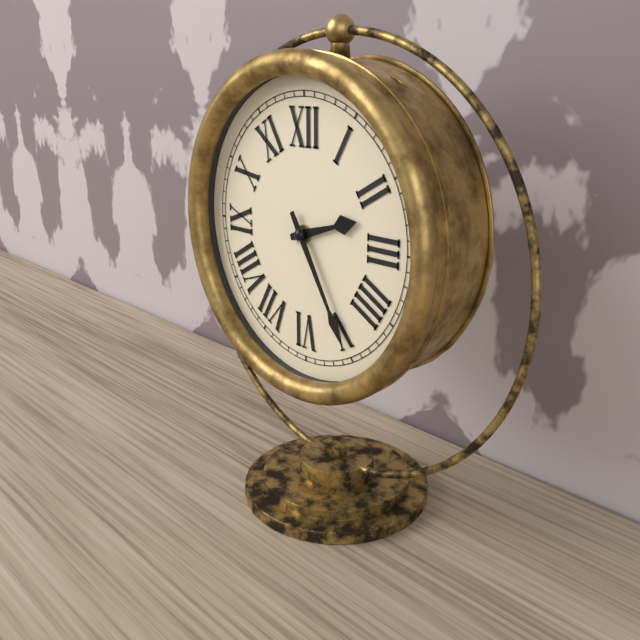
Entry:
2 h 25 min
